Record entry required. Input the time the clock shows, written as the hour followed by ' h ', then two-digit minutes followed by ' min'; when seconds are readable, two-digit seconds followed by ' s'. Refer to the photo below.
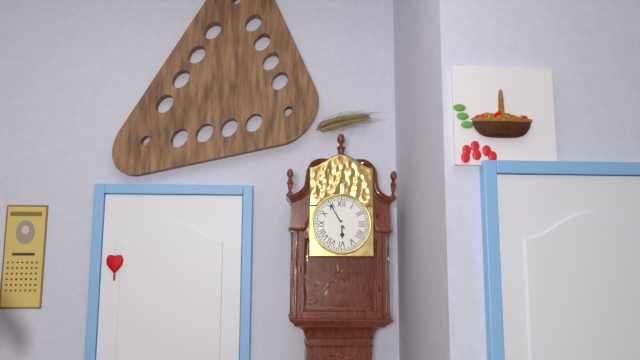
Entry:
5 h 55 min
